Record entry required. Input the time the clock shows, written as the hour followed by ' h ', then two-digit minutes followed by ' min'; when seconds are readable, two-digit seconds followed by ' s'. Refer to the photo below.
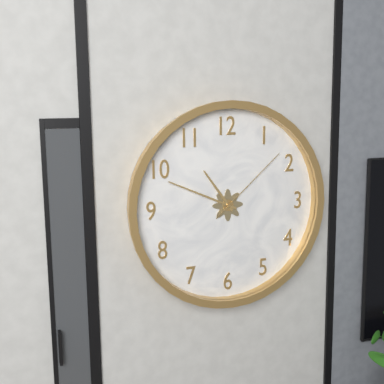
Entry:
10 h 49 min 08 s
